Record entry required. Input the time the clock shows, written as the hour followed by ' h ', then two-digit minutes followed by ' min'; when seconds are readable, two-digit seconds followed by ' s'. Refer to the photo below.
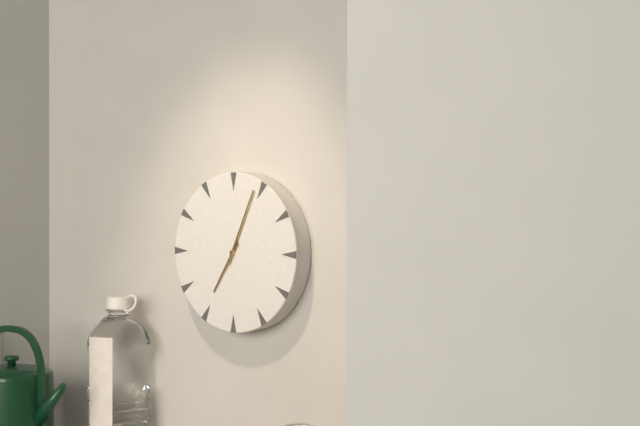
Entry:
7 h 04 min
